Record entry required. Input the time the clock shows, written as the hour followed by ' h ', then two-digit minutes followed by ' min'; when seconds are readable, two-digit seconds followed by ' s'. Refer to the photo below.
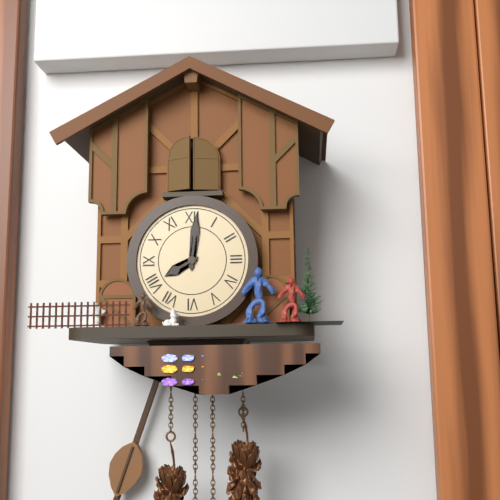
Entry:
8 h 01 min
